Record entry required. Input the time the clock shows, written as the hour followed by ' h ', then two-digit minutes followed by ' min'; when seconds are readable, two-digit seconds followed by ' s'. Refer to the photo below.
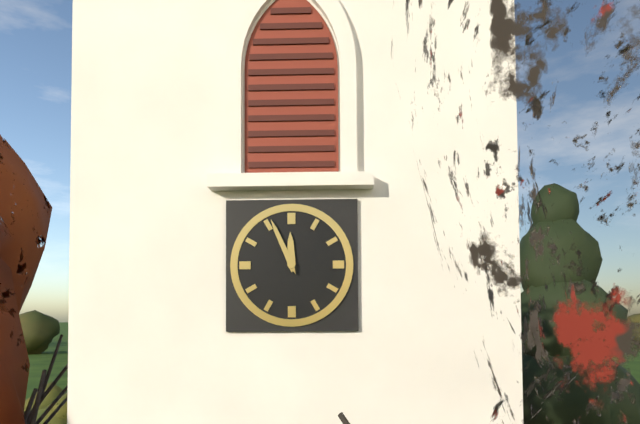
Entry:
11 h 56 min
